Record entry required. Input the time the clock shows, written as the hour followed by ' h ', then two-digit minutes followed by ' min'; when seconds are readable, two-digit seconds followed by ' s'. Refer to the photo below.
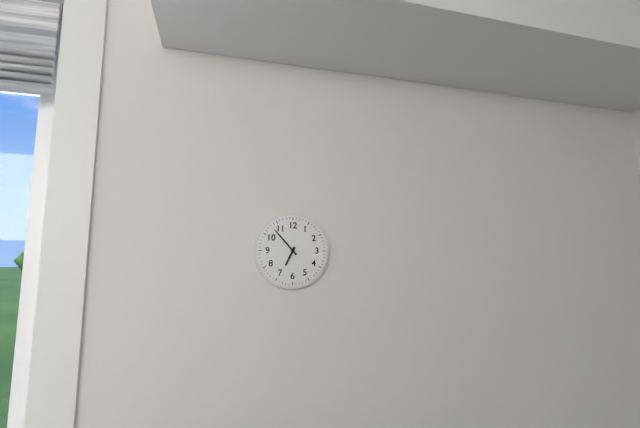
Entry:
6 h 53 min
